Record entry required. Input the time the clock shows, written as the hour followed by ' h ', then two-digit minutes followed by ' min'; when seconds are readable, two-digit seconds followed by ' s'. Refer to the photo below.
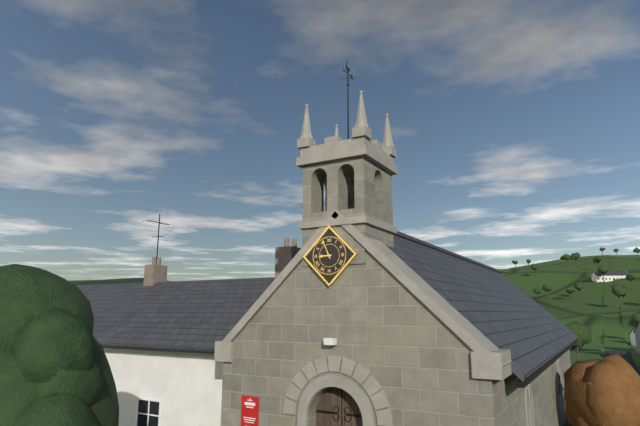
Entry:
8 h 56 min
